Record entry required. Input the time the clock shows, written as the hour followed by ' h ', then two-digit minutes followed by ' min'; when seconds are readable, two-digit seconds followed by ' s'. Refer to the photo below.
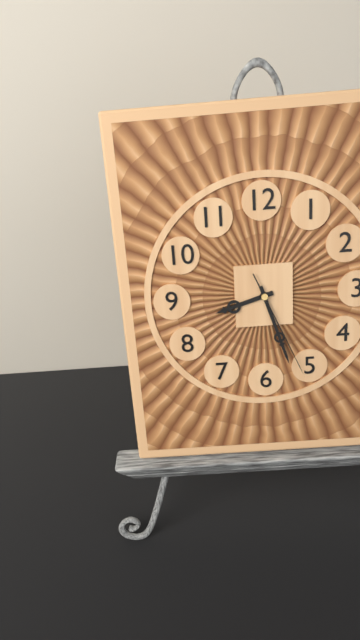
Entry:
8 h 27 min 26 s
